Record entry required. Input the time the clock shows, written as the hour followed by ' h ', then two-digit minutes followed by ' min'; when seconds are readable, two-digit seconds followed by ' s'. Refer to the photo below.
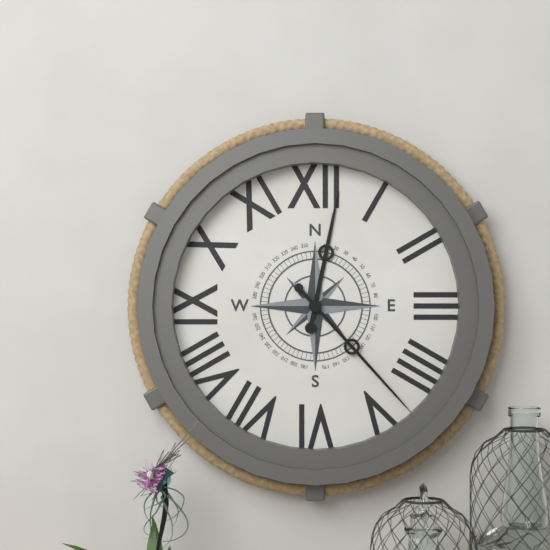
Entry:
12 h 23 min
